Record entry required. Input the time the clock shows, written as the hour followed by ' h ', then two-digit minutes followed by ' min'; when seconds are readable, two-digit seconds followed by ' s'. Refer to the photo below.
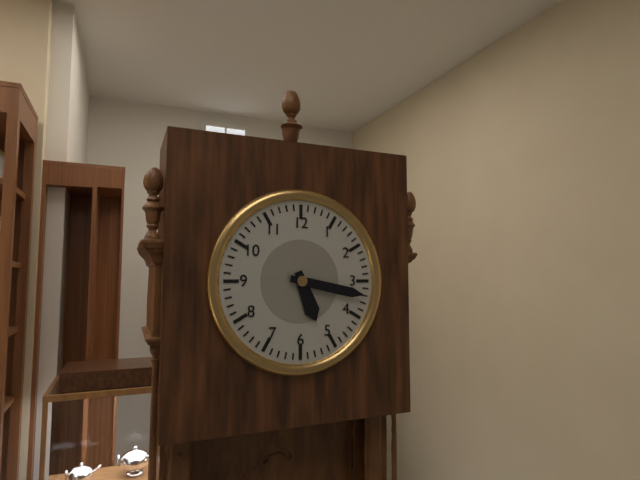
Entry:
5 h 17 min
